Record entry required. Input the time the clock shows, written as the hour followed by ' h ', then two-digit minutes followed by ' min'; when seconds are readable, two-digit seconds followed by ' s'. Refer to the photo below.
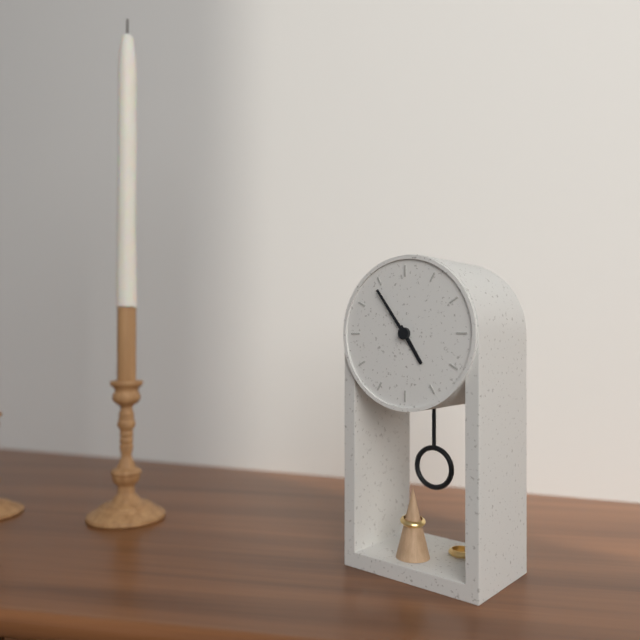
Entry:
4 h 54 min
